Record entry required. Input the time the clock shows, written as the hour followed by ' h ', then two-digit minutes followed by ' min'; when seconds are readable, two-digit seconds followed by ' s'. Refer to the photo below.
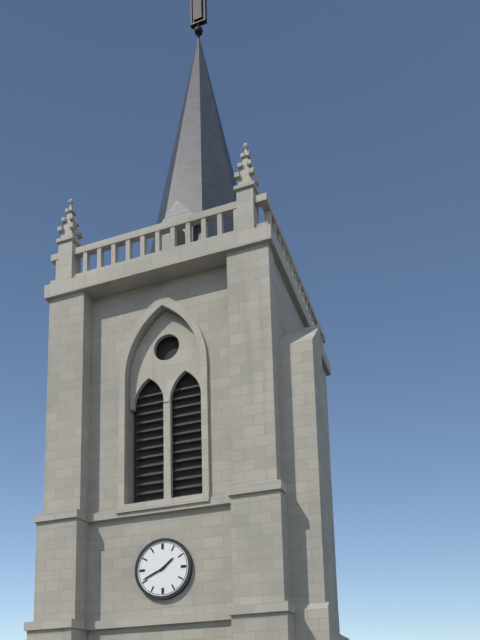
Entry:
1 h 41 min
